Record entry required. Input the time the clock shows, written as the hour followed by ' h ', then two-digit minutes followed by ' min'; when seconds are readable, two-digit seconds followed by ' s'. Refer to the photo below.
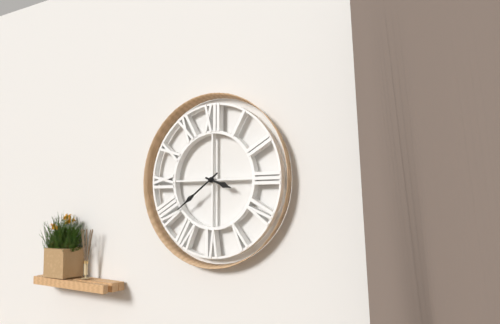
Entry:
3 h 39 min
